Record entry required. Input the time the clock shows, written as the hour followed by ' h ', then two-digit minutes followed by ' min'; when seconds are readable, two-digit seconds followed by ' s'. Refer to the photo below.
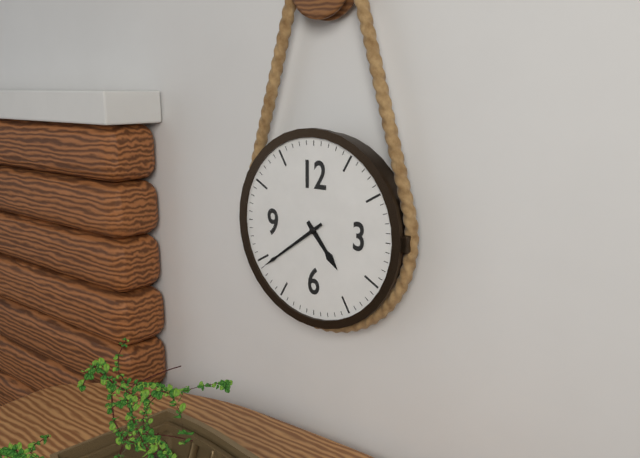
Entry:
4 h 39 min
